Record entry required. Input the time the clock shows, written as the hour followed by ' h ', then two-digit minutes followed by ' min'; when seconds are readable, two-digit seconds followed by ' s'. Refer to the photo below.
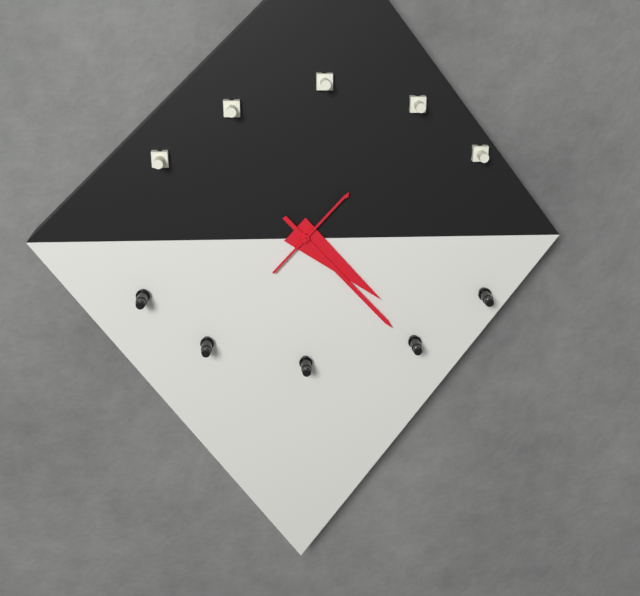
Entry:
4 h 23 min 07 s
